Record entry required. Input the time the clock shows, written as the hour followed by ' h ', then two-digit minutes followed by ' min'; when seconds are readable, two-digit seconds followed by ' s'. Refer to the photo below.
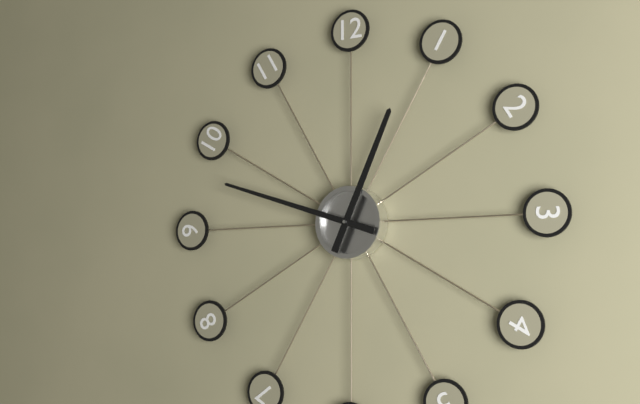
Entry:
12 h 48 min
